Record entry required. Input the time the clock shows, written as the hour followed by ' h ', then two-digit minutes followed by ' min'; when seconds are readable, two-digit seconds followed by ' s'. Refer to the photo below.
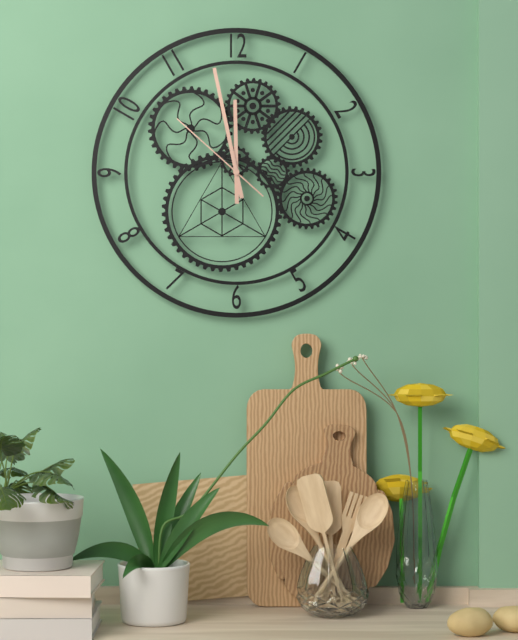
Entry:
11 h 58 min 52 s
